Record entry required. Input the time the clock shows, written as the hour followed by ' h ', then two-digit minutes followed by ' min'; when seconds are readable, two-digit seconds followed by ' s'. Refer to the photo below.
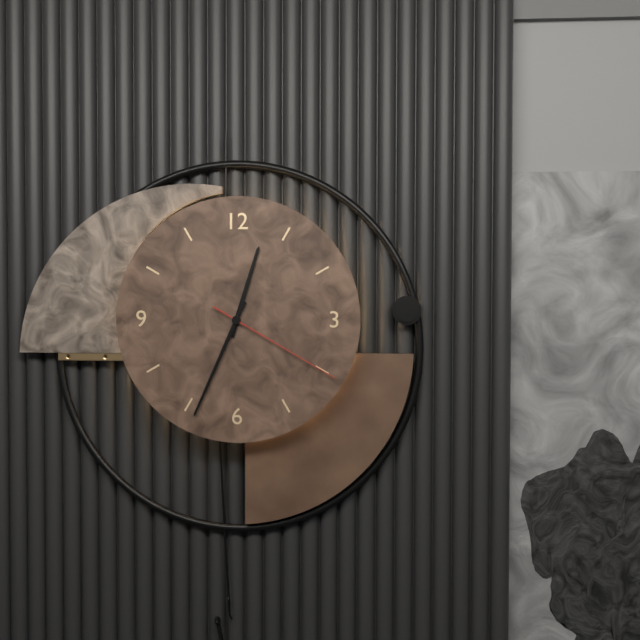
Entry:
12 h 34 min 20 s
